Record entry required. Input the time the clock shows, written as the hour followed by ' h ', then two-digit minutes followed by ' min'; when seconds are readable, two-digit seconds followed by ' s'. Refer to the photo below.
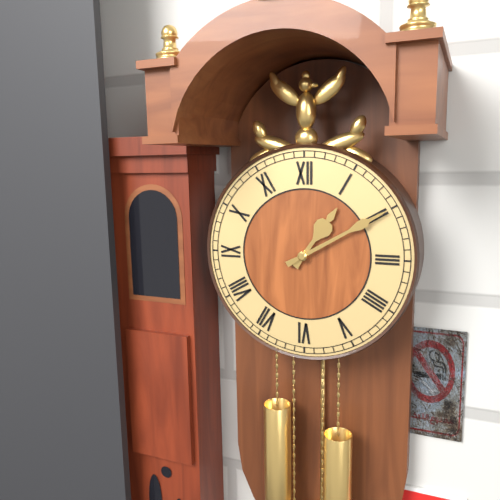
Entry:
1 h 10 min
